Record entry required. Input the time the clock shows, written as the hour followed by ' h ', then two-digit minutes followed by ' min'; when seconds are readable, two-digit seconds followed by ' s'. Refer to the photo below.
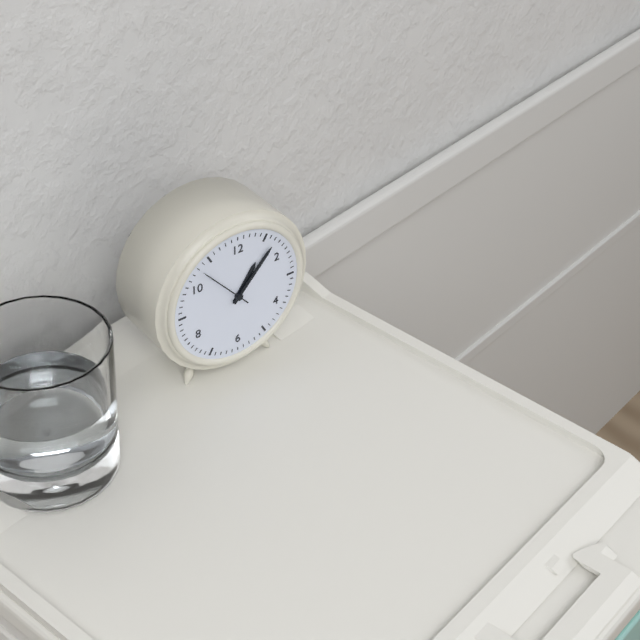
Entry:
1 h 07 min 53 s
